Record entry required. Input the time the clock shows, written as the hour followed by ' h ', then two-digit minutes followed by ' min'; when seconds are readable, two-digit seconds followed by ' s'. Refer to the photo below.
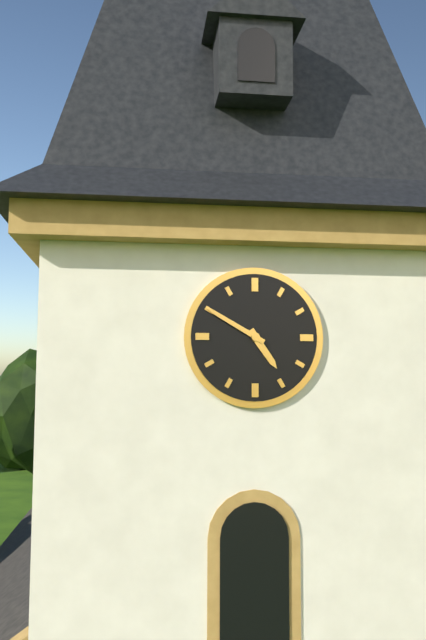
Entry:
4 h 50 min
